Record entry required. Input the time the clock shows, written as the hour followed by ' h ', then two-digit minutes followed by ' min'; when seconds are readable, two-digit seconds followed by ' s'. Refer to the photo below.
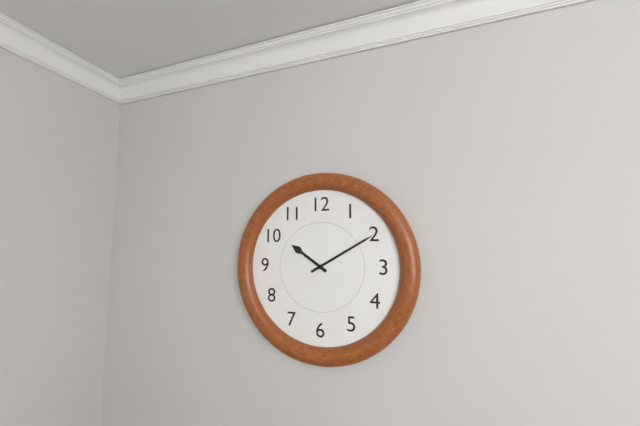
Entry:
10 h 10 min
